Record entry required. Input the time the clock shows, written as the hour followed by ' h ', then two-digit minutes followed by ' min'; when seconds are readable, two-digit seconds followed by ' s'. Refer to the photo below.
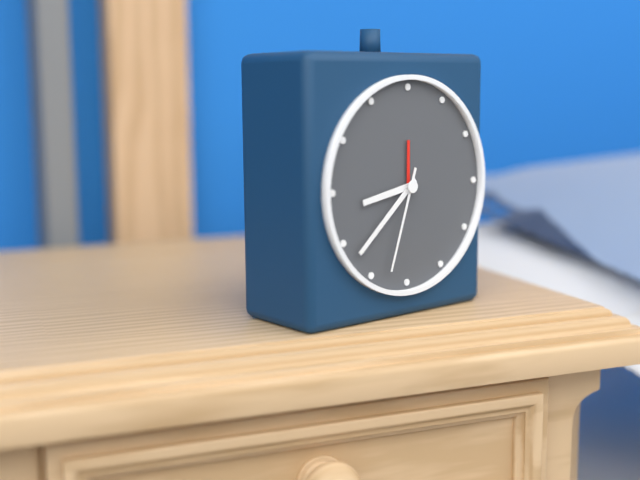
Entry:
8 h 38 min 33 s
